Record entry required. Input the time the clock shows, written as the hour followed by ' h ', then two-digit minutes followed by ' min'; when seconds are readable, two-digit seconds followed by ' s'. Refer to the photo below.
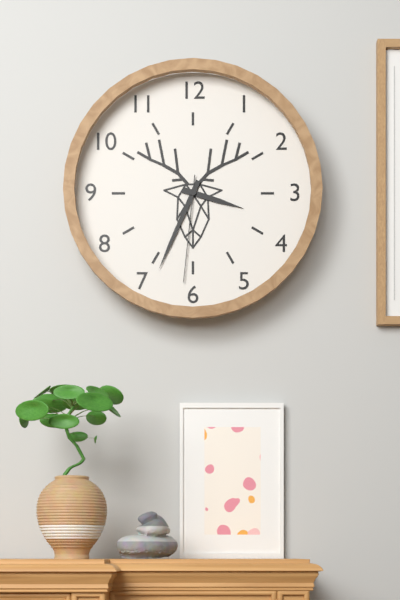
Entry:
3 h 34 min 31 s
